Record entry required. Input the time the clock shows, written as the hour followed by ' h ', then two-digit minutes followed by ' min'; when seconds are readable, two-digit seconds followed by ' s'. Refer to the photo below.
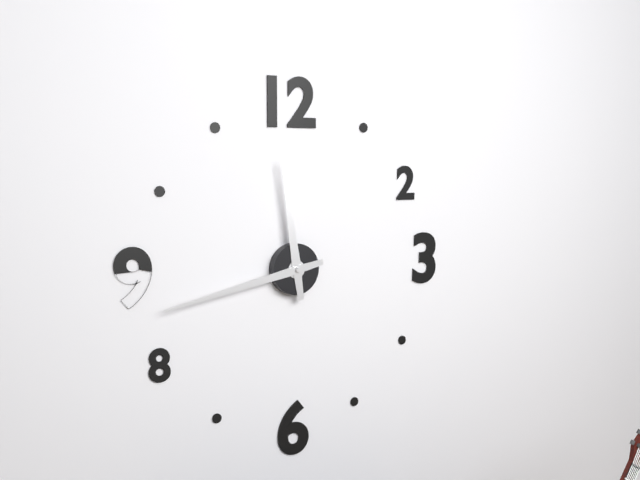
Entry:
11 h 43 min
